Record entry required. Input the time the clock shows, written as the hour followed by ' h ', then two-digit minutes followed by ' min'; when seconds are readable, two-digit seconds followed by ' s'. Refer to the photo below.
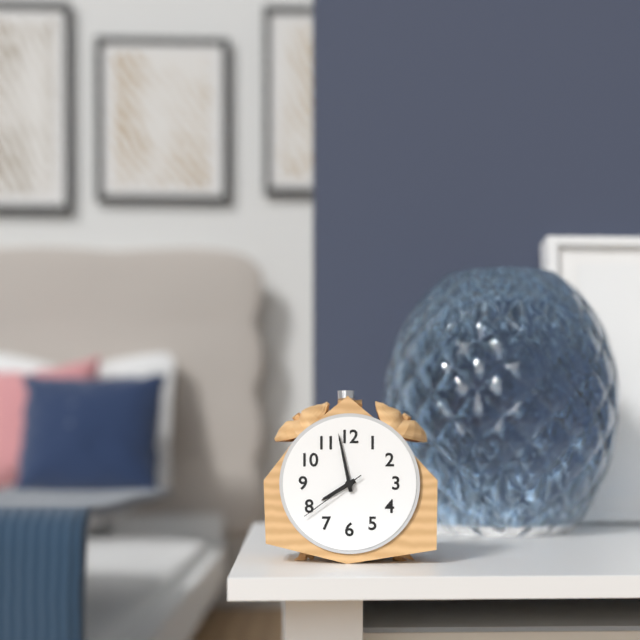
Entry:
7 h 58 min 39 s
